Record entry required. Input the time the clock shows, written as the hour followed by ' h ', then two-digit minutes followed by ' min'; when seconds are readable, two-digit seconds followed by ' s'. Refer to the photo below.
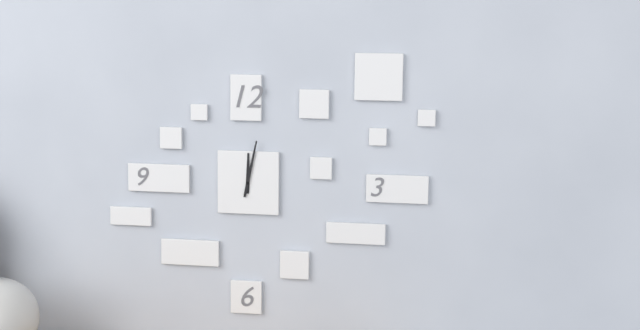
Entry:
12 h 02 min
